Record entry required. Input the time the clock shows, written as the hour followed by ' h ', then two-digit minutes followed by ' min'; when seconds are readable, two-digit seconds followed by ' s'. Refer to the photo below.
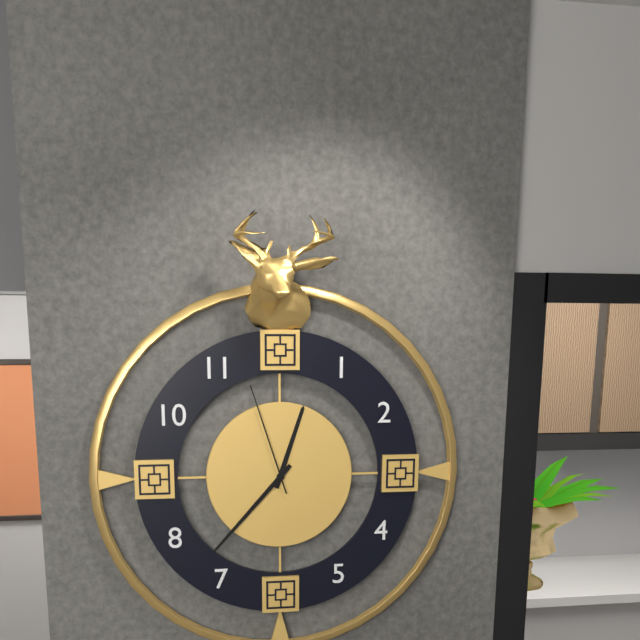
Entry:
12 h 37 min 57 s
